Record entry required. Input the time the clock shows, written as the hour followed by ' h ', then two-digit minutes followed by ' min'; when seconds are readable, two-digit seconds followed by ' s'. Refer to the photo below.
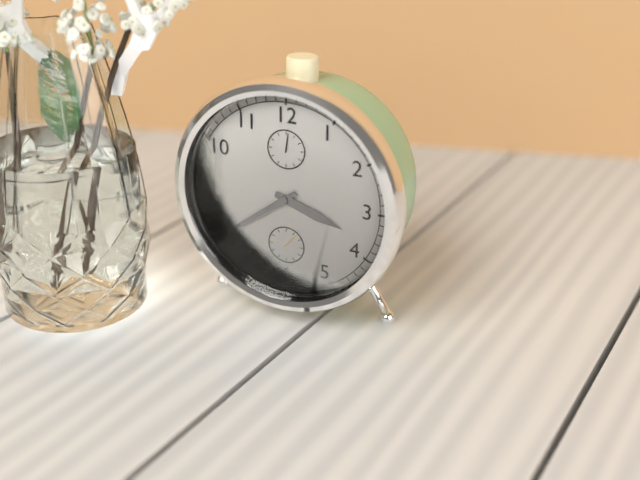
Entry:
3 h 39 min
